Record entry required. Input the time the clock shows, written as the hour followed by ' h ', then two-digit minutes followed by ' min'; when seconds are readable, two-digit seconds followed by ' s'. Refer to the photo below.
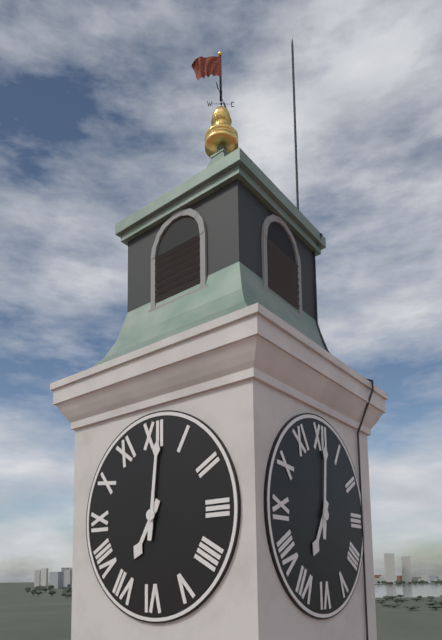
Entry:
7 h 01 min
